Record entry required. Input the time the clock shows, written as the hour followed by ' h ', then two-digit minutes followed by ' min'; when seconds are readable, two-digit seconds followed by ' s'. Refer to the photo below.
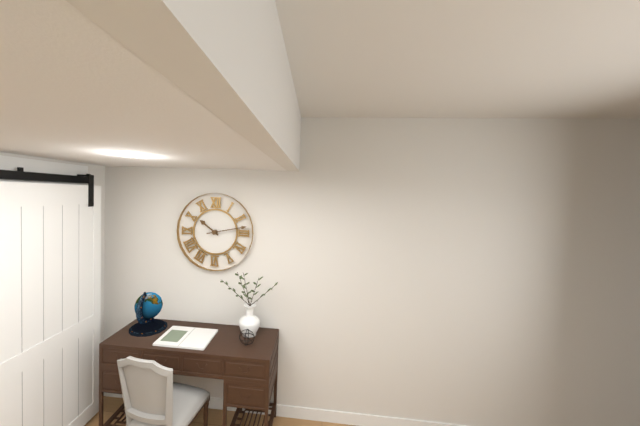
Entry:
10 h 13 min
